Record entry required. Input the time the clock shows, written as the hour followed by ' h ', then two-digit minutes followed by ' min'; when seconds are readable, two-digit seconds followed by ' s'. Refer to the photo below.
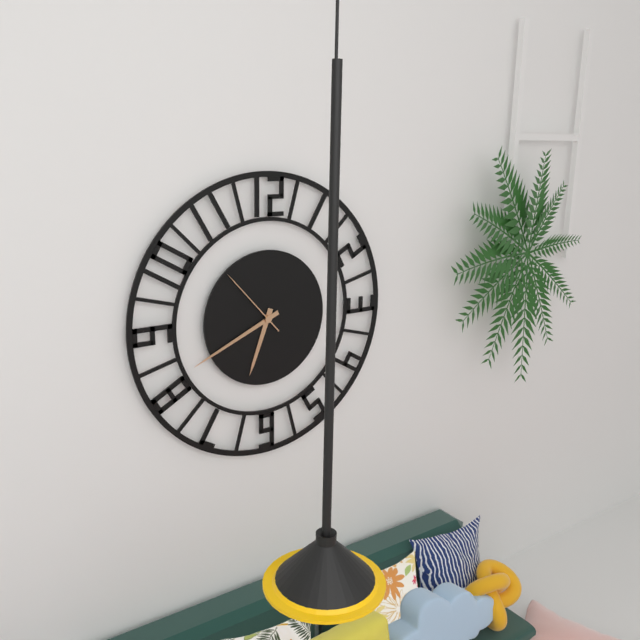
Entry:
6 h 41 min 53 s
